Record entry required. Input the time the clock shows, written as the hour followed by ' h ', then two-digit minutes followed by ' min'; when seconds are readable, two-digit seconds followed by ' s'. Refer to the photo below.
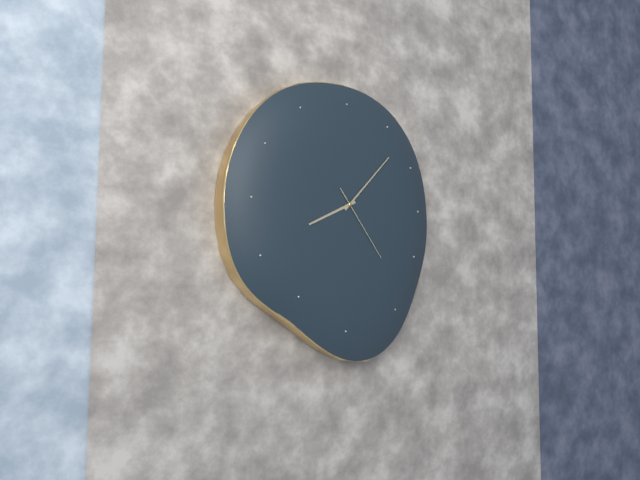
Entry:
8 h 07 min 24 s
